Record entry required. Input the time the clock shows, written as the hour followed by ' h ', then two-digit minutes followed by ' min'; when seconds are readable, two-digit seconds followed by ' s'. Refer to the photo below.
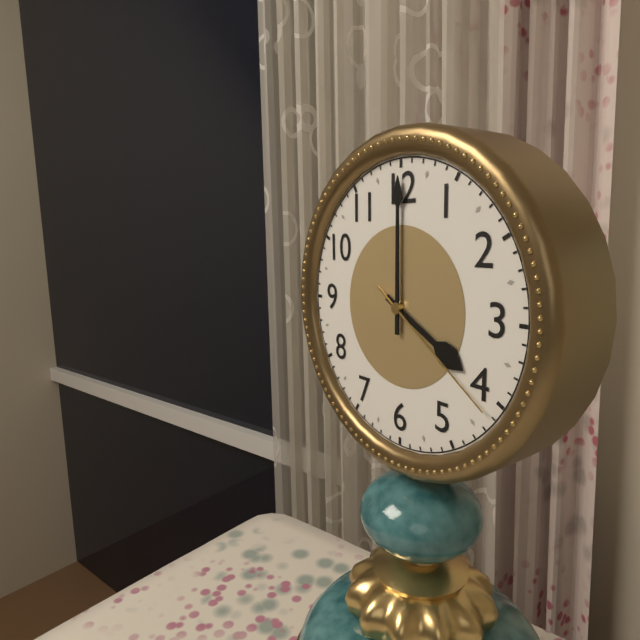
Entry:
4 h 00 min 21 s
